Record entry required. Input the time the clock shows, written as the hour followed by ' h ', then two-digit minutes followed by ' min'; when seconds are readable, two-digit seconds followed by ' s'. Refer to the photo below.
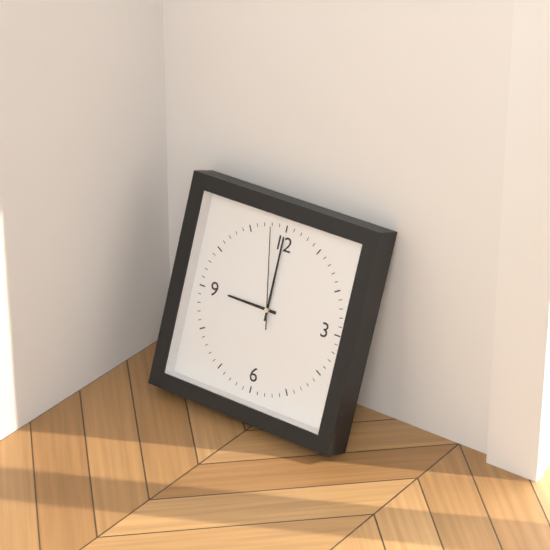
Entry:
9 h 00 min 58 s
